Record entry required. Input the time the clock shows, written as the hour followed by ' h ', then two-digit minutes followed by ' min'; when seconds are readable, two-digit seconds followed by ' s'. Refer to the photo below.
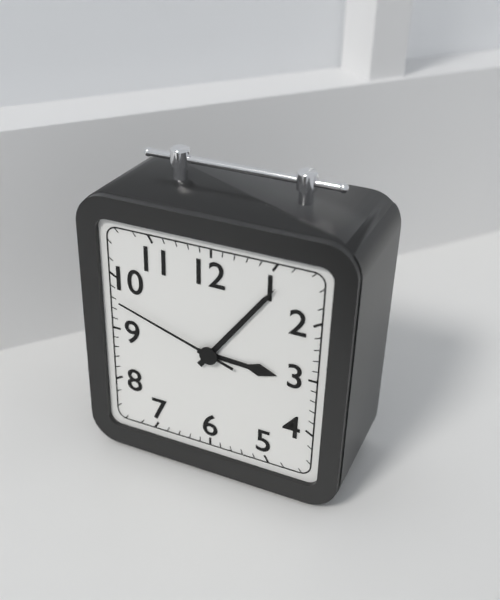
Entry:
3 h 06 min 48 s
